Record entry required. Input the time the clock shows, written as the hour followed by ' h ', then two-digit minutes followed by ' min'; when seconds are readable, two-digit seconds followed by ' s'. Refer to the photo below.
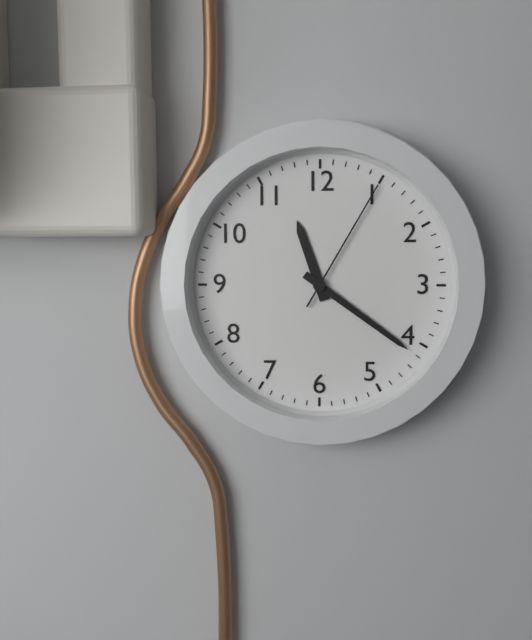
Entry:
11 h 21 min 05 s
